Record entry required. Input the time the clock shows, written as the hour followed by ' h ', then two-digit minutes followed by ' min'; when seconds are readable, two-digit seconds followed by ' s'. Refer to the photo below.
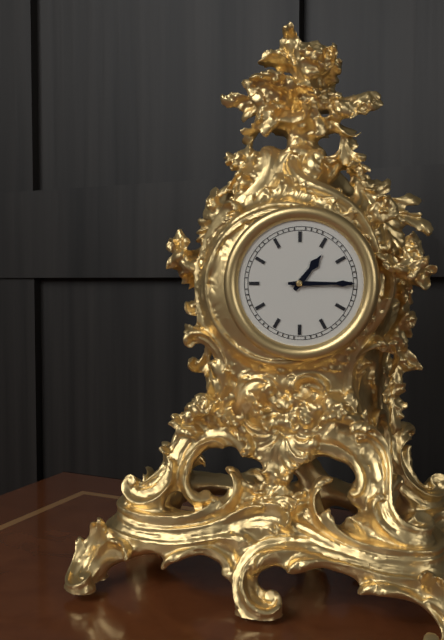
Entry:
1 h 15 min
